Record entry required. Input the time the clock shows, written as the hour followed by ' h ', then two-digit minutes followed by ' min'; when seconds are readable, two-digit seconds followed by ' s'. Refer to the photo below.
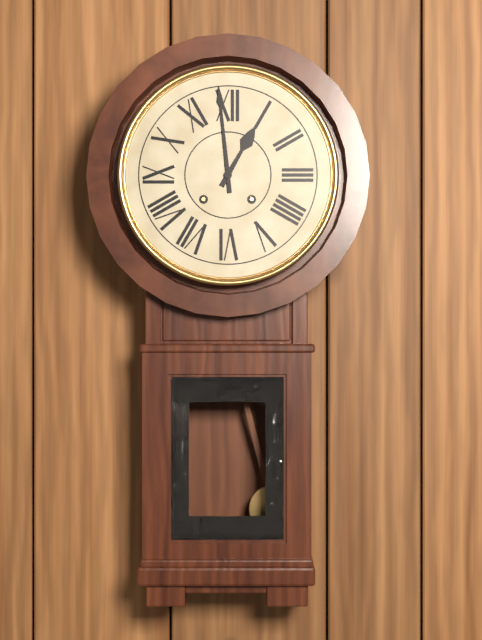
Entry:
12 h 59 min
